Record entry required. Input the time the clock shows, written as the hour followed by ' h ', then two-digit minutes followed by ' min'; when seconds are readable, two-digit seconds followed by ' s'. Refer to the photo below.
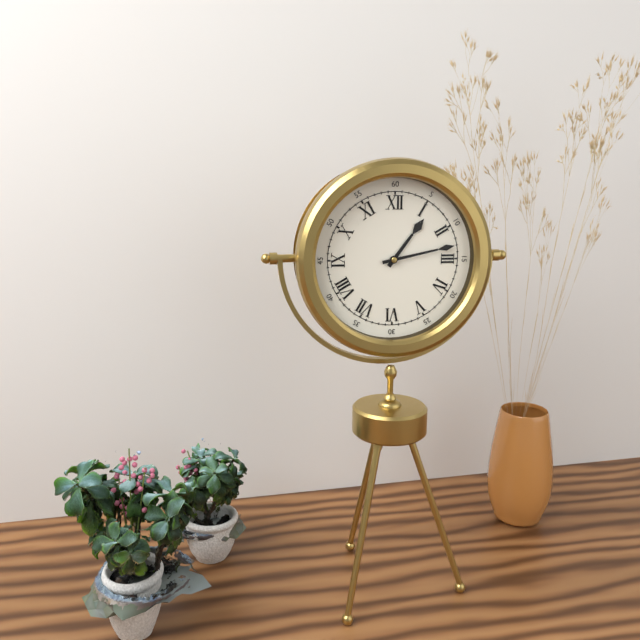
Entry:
1 h 13 min
